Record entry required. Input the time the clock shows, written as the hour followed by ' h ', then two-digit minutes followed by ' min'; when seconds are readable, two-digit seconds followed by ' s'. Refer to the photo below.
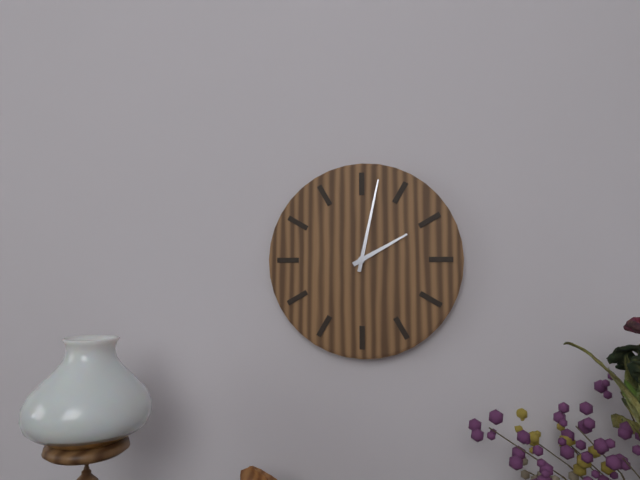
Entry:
2 h 02 min
